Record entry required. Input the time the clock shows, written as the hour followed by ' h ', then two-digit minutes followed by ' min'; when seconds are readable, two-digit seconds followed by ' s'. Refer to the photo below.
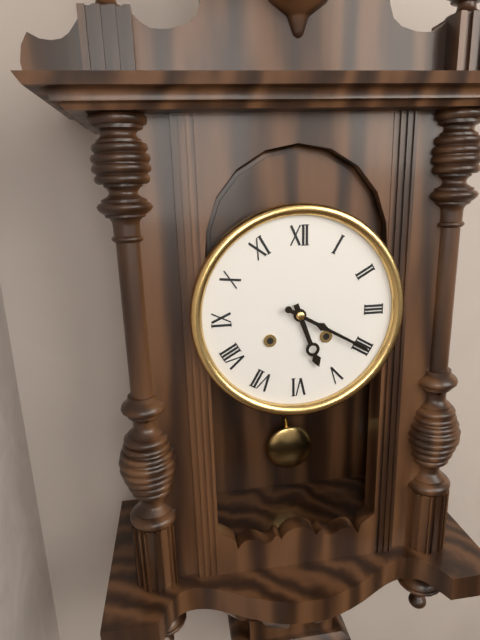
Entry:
5 h 20 min
